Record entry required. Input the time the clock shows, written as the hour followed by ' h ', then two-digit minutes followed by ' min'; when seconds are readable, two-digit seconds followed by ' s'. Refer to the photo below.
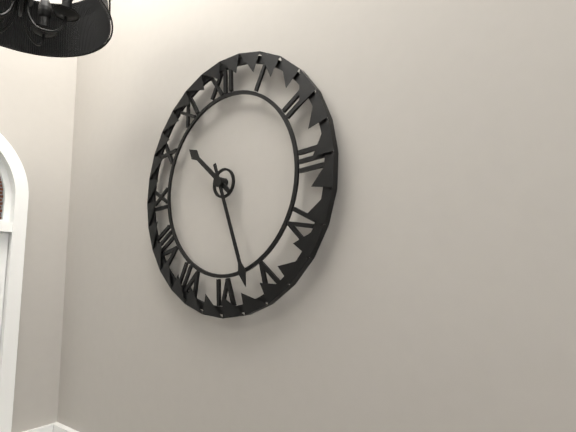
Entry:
10 h 27 min
